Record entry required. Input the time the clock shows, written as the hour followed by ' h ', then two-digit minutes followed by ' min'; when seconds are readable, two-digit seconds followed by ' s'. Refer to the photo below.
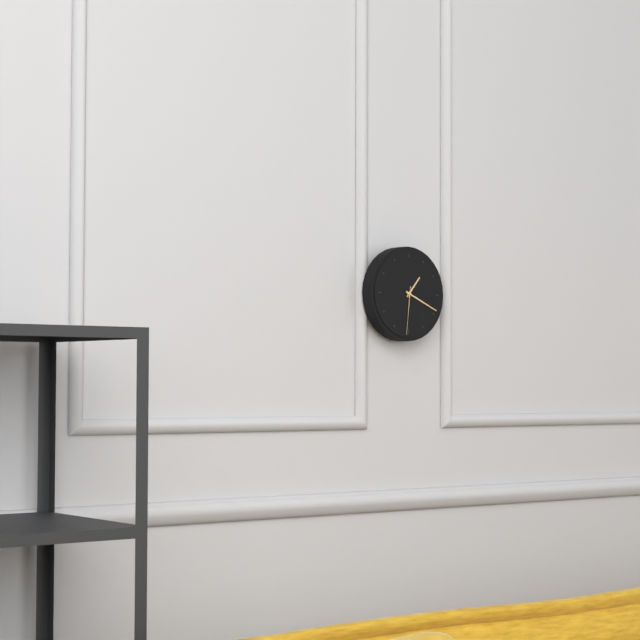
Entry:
1 h 19 min 31 s
